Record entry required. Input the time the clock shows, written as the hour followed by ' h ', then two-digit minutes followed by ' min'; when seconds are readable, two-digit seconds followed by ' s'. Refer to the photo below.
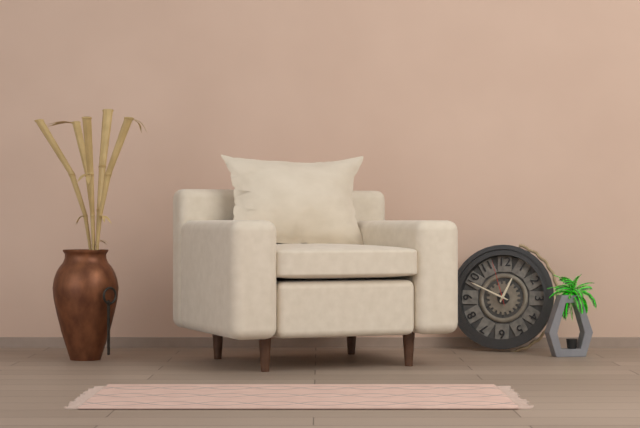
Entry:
12 h 49 min
